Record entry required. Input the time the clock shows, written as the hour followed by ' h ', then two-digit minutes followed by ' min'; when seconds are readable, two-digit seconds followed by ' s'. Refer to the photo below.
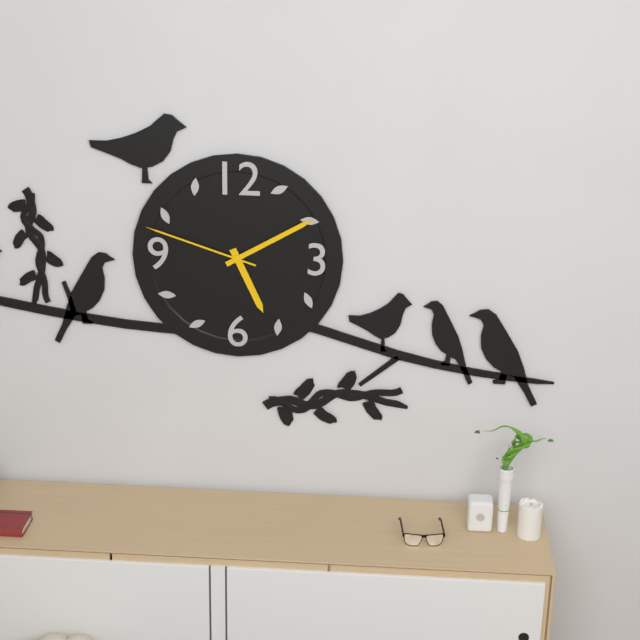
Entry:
5 h 10 min 48 s
